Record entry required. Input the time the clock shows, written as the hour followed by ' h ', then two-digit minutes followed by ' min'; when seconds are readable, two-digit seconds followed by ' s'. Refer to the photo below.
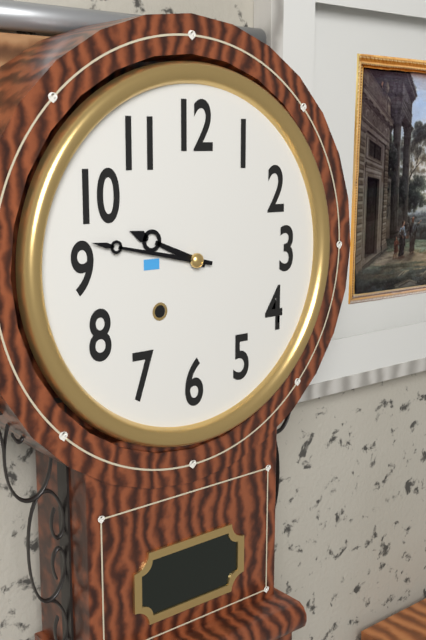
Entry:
9 h 47 min
